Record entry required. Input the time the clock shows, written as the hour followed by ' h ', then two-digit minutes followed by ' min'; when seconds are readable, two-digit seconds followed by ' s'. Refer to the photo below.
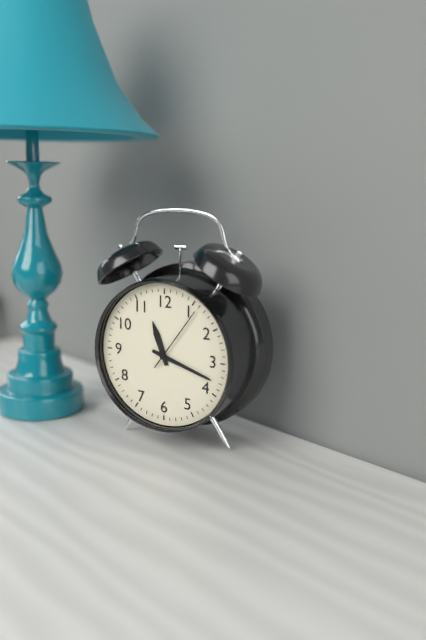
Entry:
11 h 18 min 06 s
